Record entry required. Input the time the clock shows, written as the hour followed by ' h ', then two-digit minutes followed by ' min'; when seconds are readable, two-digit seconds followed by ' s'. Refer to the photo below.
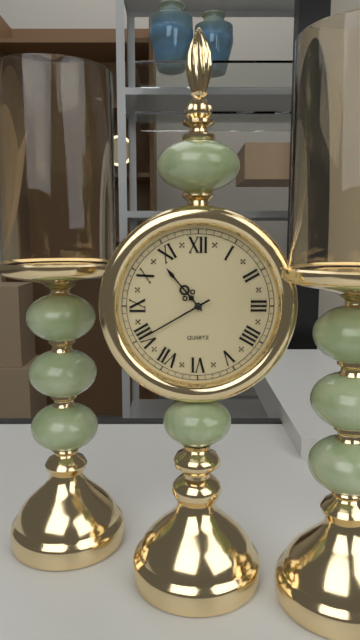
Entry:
10 h 40 min
